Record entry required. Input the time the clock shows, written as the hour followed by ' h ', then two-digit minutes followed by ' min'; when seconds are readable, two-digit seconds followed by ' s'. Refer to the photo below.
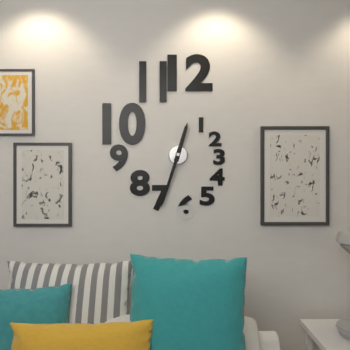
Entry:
12 h 33 min
